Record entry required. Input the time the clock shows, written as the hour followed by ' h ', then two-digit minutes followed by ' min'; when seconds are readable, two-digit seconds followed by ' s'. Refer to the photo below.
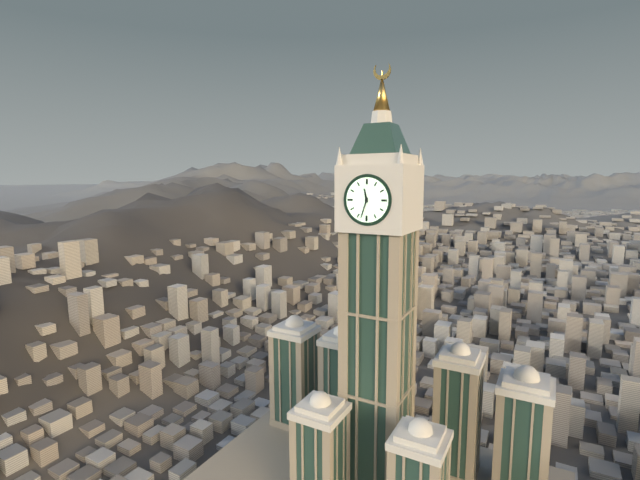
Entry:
11 h 33 min
